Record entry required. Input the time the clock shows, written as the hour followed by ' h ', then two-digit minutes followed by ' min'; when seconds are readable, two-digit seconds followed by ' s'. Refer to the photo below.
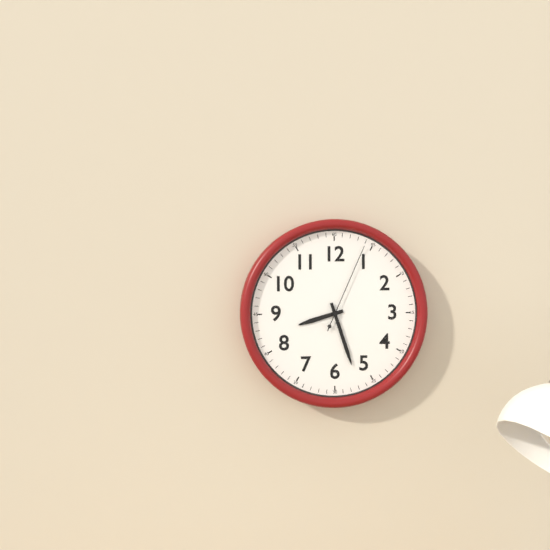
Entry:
8 h 27 min 04 s
